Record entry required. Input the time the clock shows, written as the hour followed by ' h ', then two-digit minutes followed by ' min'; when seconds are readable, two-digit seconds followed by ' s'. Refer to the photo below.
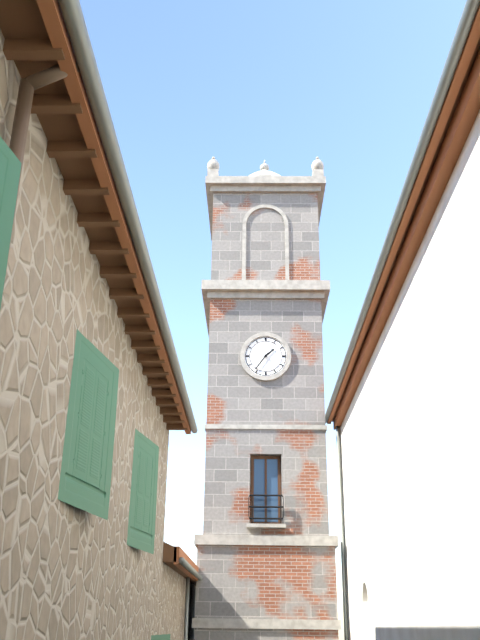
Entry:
1 h 36 min
